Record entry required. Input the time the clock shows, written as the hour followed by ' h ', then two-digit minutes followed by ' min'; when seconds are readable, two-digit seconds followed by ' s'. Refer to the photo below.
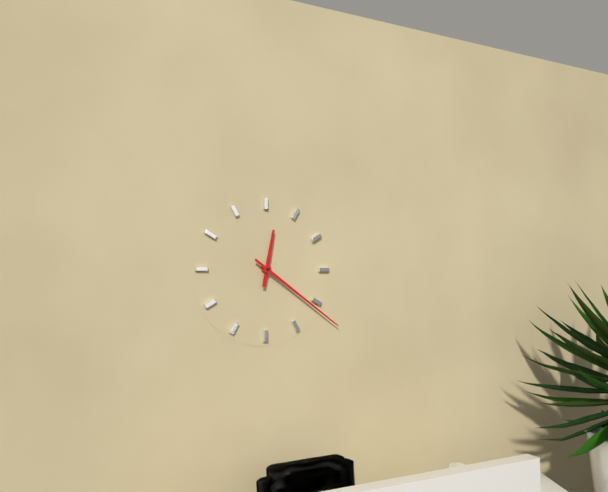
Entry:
12 h 21 min
